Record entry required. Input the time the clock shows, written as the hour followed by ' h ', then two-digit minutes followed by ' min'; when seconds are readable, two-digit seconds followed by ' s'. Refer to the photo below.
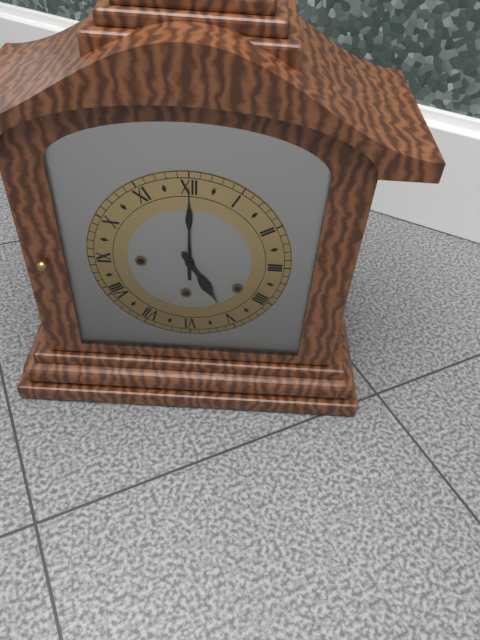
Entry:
5 h 00 min
